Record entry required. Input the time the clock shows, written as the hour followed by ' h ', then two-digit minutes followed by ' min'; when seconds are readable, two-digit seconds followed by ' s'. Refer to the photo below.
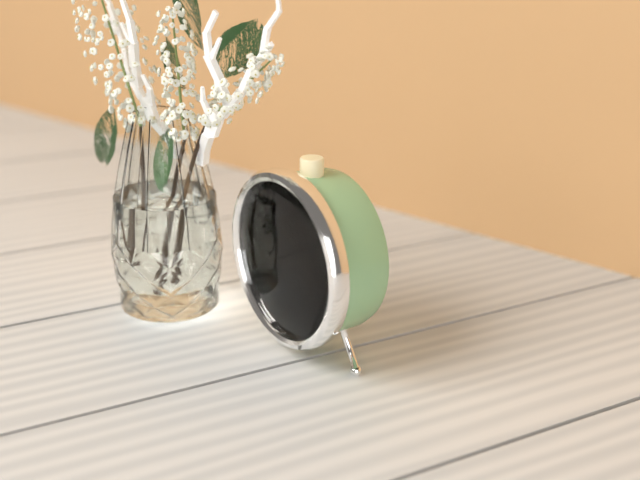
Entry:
8 h 18 min
